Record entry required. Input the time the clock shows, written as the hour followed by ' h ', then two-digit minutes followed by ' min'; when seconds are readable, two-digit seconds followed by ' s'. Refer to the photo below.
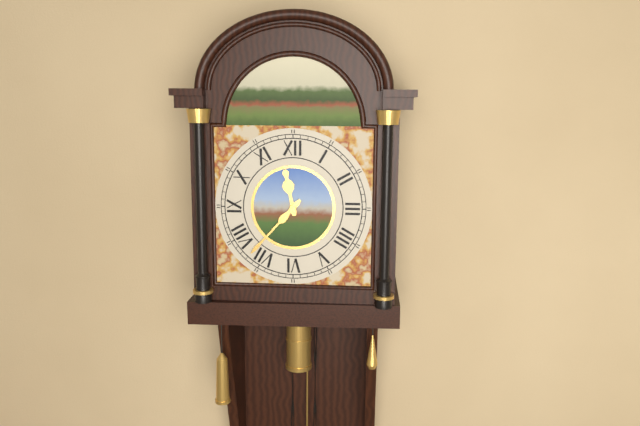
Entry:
11 h 37 min
